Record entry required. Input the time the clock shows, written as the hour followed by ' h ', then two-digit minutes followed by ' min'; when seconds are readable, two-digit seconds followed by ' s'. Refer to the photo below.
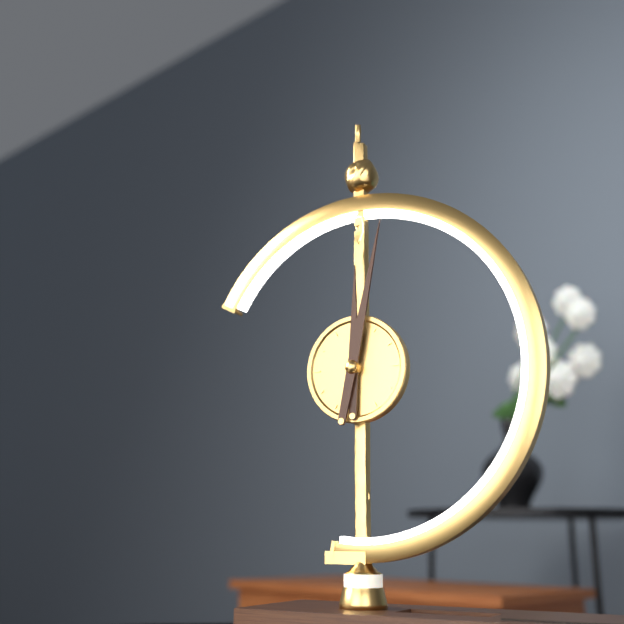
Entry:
12 h 02 min
